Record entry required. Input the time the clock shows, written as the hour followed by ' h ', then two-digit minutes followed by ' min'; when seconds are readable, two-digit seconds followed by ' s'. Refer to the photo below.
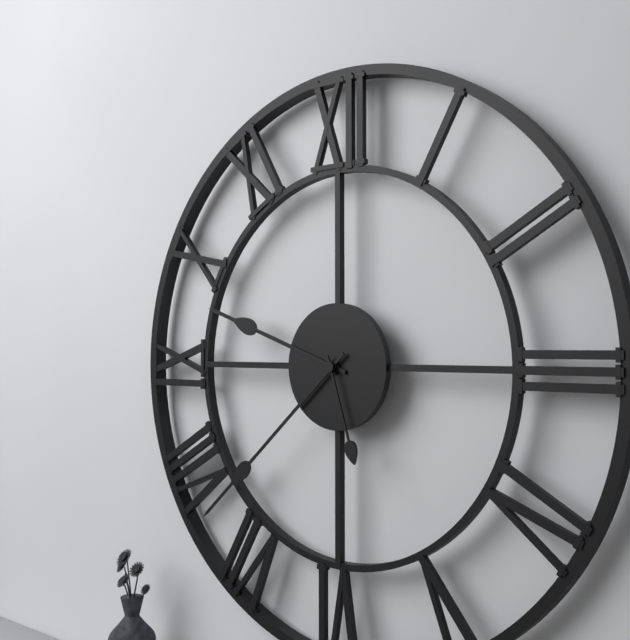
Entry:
9 h 38 min 27 s
